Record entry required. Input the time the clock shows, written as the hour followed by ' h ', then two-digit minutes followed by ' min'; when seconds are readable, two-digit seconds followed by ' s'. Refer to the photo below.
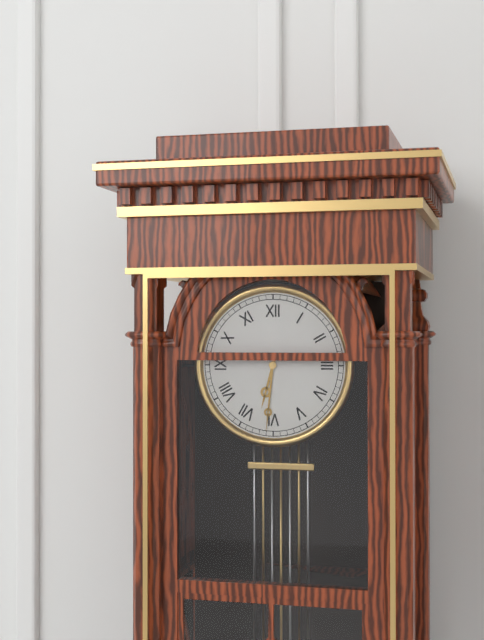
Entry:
6 h 31 min
